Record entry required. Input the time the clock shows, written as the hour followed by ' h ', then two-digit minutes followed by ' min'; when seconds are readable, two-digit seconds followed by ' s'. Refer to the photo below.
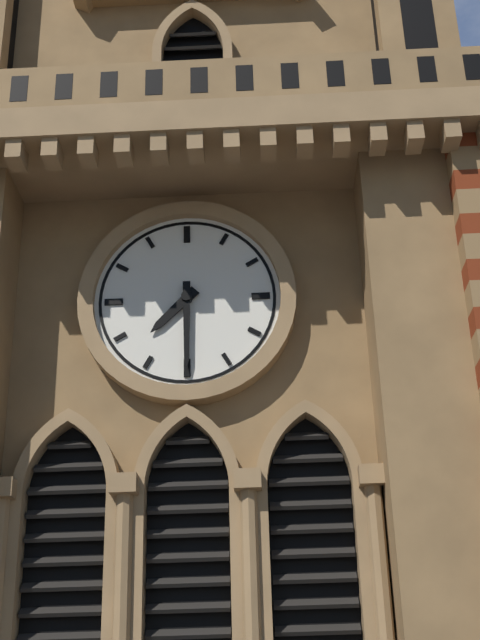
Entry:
7 h 30 min
